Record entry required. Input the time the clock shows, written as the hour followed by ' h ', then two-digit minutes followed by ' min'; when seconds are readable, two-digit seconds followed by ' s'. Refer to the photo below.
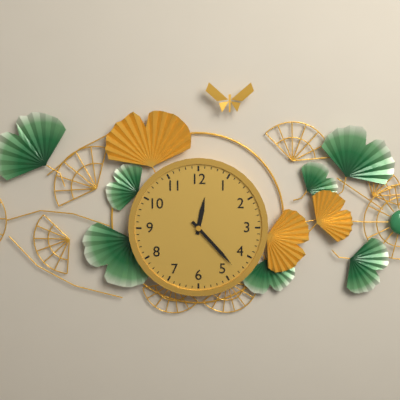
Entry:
12 h 23 min
